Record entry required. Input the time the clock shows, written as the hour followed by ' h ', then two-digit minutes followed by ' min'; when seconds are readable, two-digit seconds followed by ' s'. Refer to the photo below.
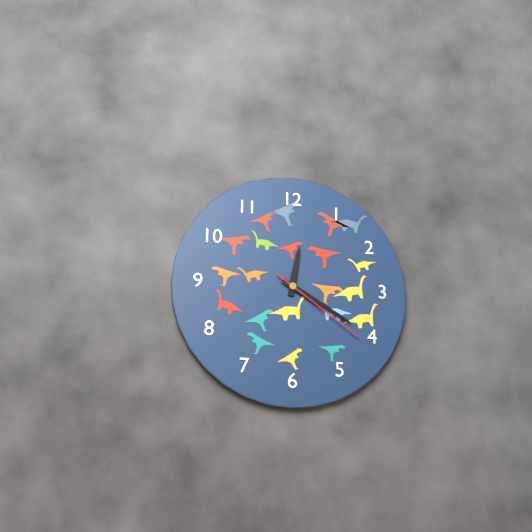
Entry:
12 h 20 min 21 s
